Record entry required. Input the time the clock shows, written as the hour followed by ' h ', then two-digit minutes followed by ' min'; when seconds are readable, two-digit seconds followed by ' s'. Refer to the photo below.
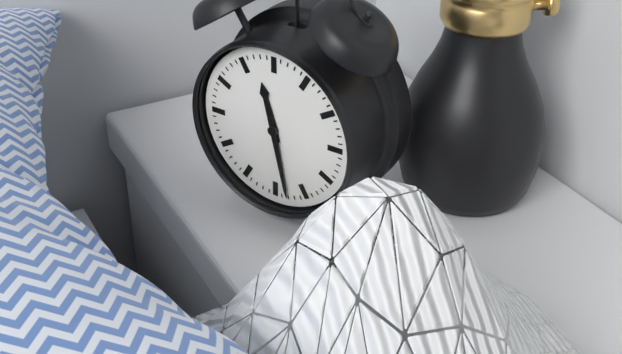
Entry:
11 h 28 min
